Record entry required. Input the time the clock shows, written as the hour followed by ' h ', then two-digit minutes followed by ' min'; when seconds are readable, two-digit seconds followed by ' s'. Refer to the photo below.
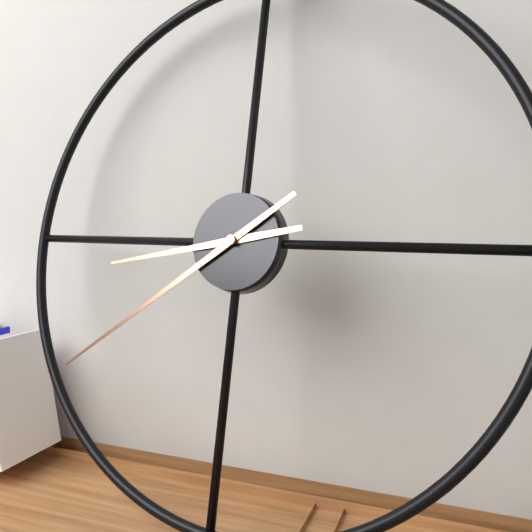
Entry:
8 h 39 min
